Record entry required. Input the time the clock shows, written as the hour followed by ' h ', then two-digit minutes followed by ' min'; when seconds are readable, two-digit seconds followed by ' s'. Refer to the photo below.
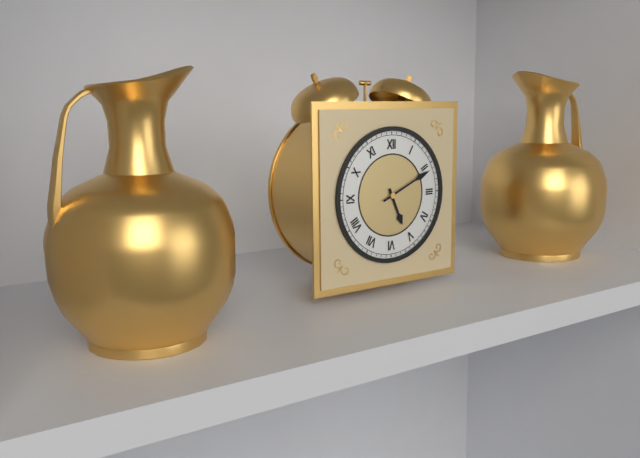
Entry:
5 h 11 min
